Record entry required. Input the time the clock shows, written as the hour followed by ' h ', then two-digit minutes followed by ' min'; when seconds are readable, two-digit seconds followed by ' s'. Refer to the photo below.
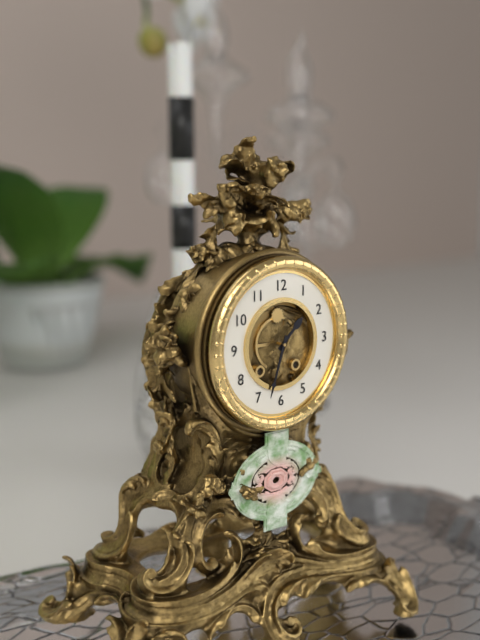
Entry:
1 h 33 min
